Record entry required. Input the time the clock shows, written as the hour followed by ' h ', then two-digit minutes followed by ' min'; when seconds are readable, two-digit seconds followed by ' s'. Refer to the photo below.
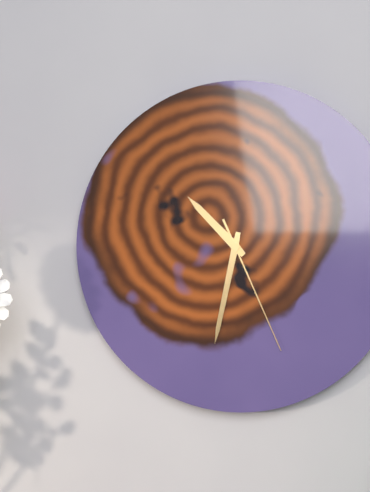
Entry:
10 h 32 min 26 s
